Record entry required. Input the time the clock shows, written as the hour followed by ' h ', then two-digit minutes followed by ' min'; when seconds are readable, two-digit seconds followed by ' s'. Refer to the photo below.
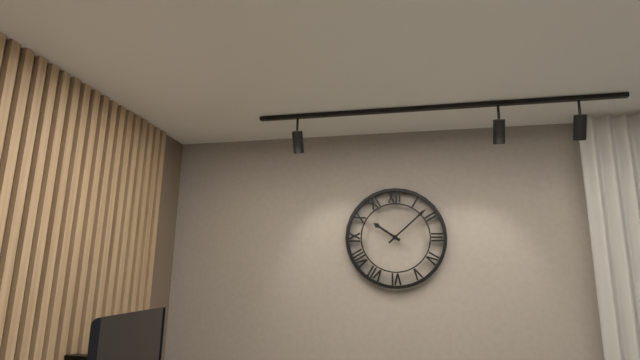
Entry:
10 h 08 min
